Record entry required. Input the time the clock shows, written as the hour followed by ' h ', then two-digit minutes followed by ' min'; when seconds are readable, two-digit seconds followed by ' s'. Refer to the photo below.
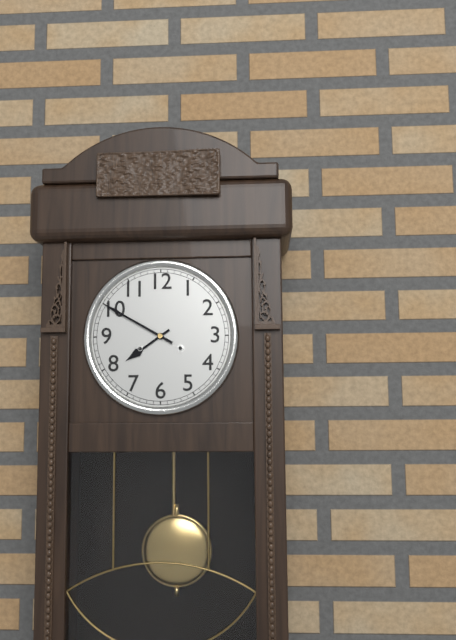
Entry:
7 h 50 min
